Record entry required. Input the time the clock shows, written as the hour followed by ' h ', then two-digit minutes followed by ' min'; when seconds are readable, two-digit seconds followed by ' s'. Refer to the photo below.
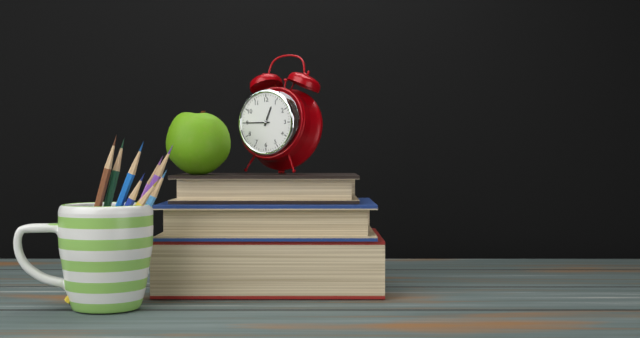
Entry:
12 h 45 min
